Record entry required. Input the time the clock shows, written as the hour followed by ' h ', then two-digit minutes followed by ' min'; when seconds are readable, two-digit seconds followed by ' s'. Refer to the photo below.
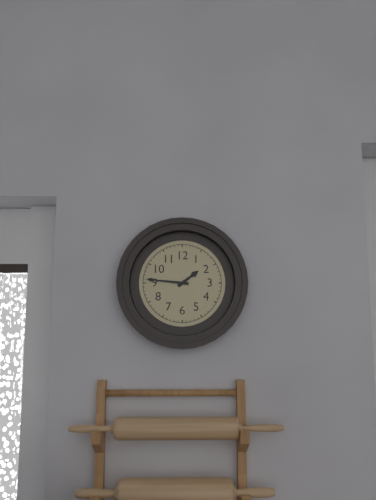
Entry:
1 h 46 min
